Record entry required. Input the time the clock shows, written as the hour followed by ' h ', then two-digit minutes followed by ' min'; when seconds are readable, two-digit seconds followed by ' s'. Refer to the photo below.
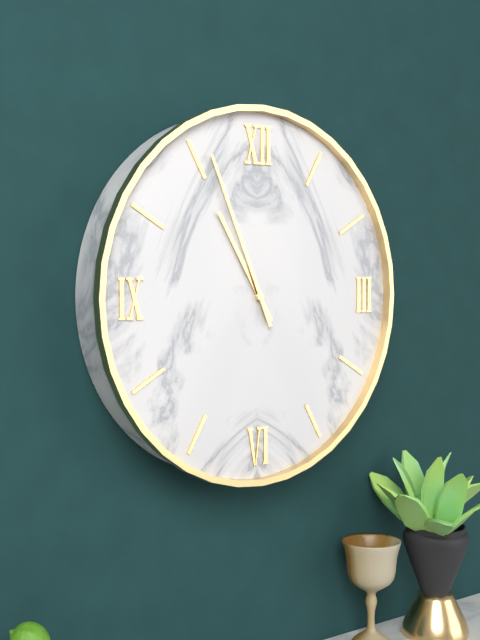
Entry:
10 h 56 min
